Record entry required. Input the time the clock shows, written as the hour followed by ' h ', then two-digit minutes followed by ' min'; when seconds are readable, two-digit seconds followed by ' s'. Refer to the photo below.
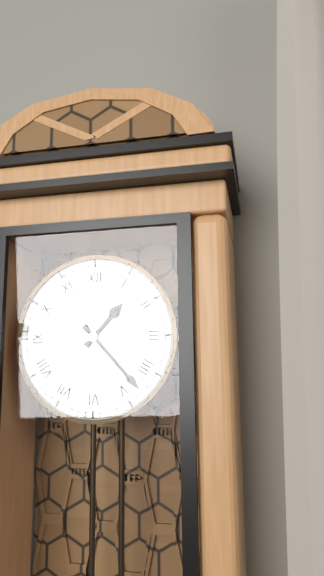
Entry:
1 h 23 min
